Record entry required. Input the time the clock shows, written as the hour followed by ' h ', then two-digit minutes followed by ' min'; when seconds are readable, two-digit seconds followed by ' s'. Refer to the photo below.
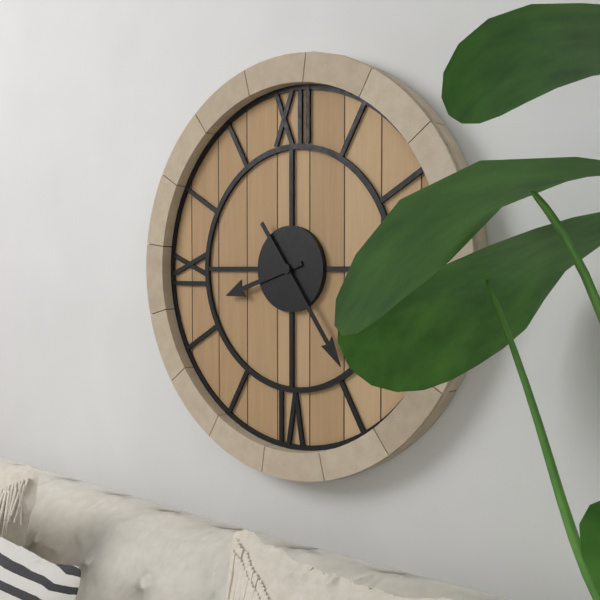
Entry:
8 h 24 min
